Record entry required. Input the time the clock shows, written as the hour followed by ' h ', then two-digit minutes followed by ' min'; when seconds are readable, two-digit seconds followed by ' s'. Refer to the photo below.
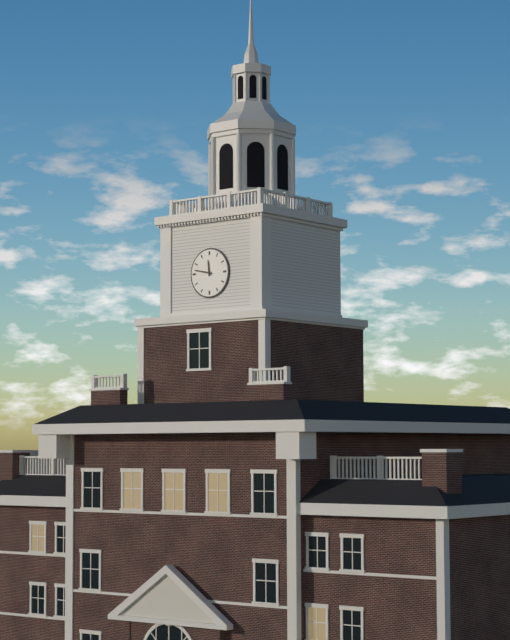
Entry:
11 h 47 min
